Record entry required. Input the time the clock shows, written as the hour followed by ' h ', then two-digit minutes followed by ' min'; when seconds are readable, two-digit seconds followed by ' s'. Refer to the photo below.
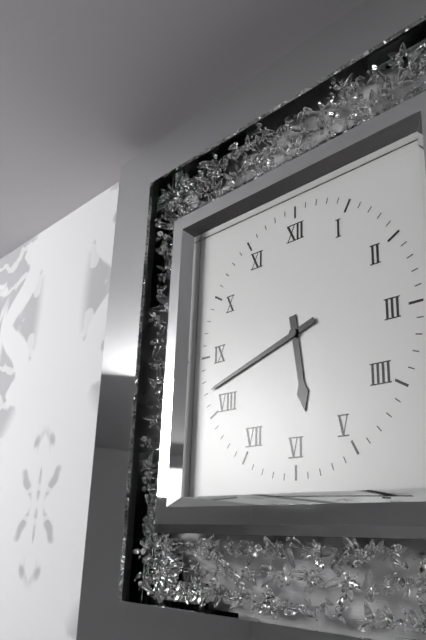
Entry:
5 h 42 min
